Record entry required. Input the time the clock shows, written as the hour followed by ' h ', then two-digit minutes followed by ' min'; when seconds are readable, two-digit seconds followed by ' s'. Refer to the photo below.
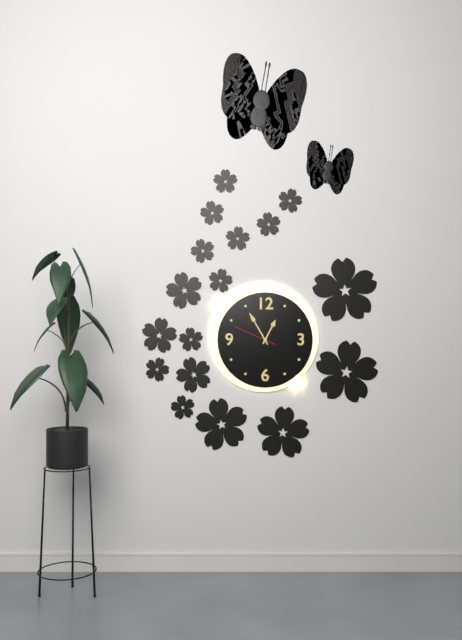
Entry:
12 h 55 min
